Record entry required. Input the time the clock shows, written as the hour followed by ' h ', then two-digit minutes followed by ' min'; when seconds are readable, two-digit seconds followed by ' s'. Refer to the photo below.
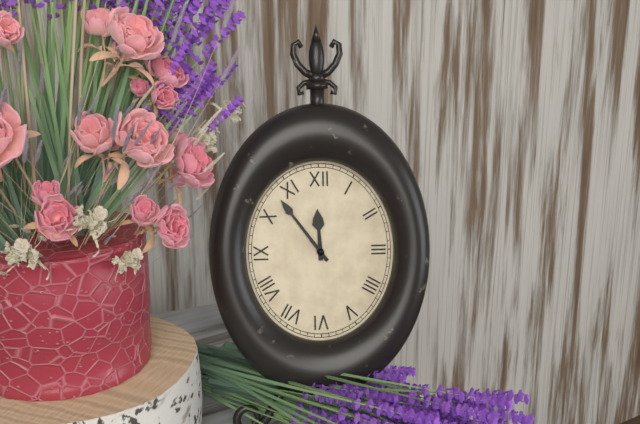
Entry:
11 h 54 min
